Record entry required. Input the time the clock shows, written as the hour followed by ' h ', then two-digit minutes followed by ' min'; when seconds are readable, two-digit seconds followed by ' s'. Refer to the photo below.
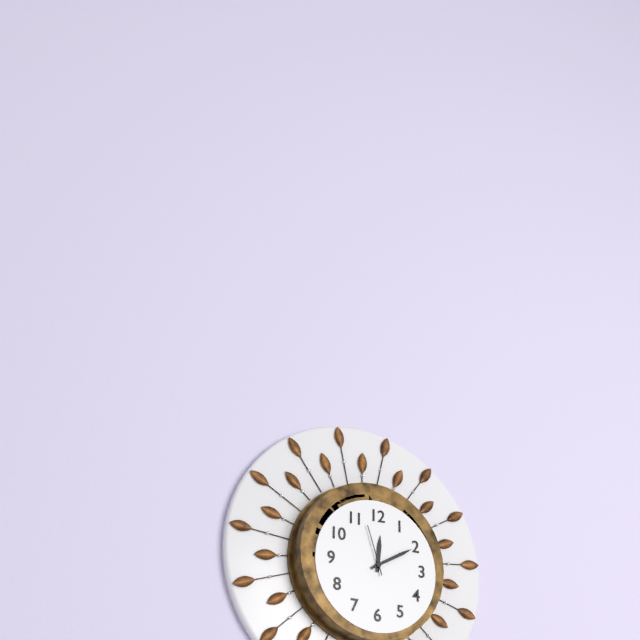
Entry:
12 h 10 min 57 s
